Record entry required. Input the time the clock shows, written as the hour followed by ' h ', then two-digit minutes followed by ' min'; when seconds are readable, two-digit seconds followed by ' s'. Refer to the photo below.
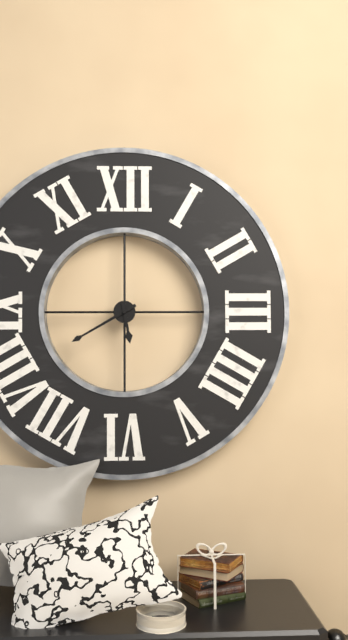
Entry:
5 h 40 min
